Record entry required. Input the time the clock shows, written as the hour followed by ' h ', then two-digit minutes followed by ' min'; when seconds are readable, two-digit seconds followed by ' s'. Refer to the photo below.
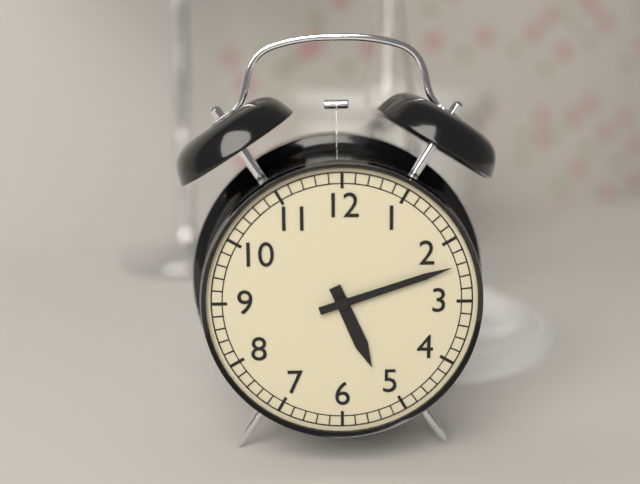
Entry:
5 h 12 min
